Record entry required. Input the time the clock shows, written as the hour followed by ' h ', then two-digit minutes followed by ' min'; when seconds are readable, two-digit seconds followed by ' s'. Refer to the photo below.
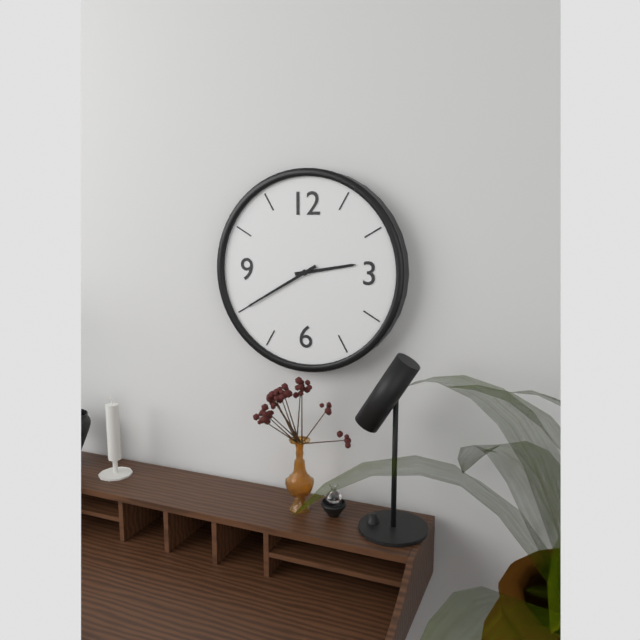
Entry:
2 h 40 min
